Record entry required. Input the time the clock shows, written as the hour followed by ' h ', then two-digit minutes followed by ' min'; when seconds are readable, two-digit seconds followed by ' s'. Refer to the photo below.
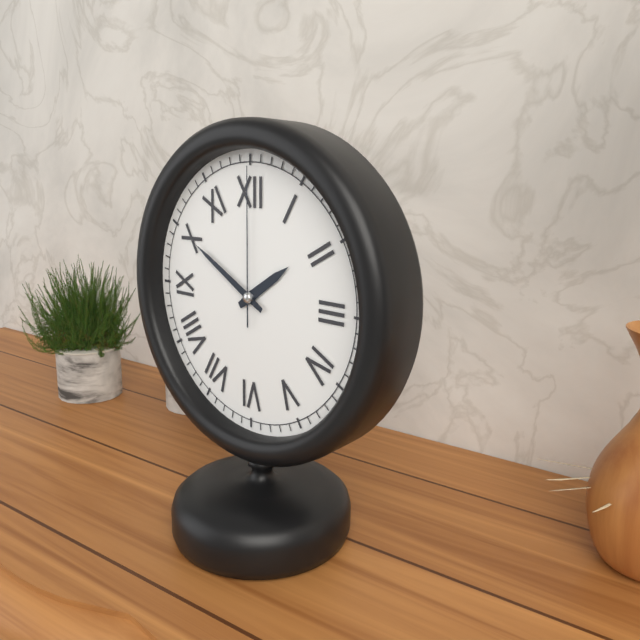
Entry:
1 h 50 min 00 s
